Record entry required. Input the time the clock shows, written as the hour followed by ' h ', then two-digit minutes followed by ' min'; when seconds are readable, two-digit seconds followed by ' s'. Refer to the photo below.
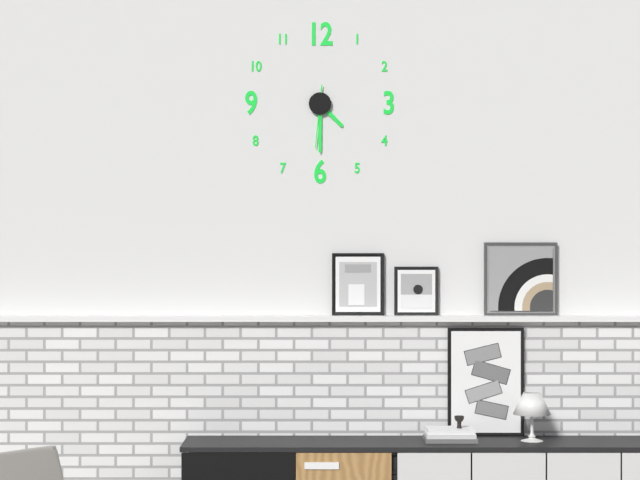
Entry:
4 h 30 min 31 s
